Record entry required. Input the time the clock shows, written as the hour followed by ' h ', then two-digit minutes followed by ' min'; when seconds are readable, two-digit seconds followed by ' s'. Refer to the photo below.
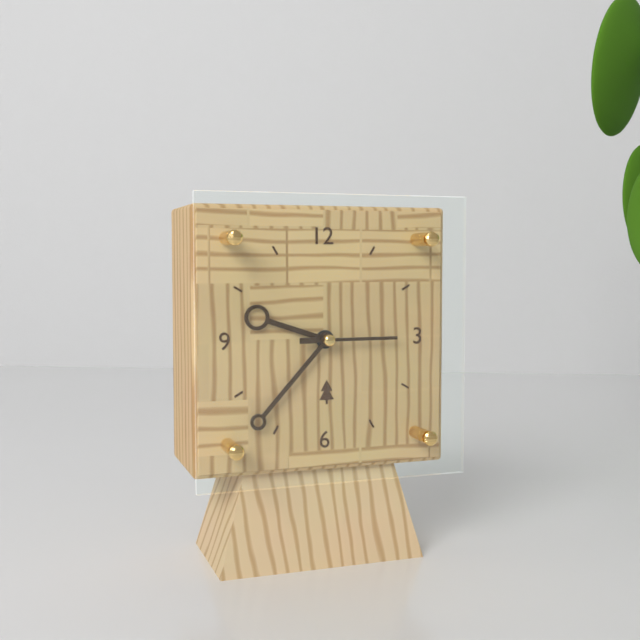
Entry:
9 h 37 min 15 s
